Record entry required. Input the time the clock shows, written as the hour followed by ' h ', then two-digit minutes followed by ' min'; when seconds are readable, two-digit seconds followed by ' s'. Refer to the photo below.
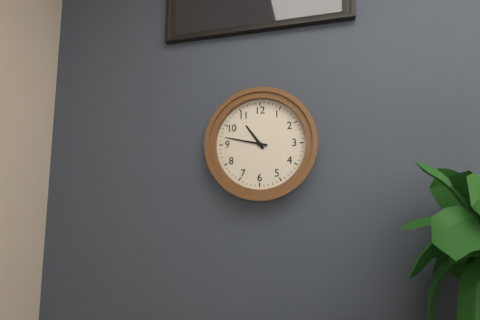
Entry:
10 h 47 min
